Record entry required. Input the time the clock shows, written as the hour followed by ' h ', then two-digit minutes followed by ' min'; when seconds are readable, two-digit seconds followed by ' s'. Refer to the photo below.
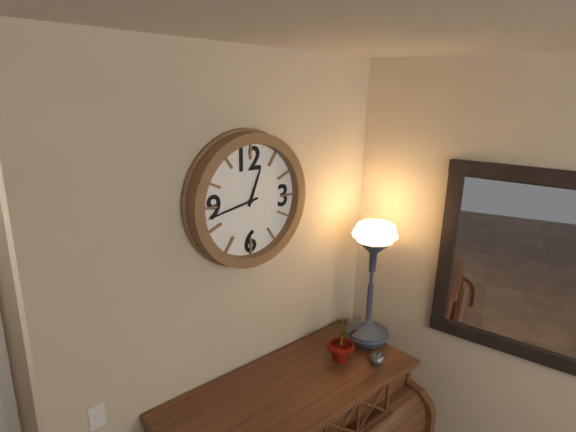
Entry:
12 h 43 min
